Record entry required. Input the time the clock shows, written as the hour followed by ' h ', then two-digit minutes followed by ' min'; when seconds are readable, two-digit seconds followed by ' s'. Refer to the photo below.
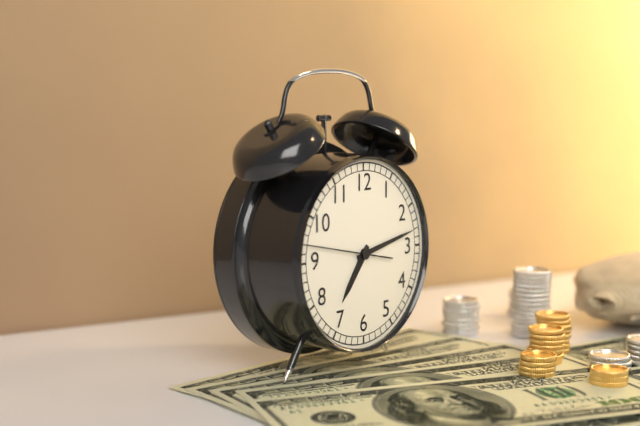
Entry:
7 h 13 min 47 s
